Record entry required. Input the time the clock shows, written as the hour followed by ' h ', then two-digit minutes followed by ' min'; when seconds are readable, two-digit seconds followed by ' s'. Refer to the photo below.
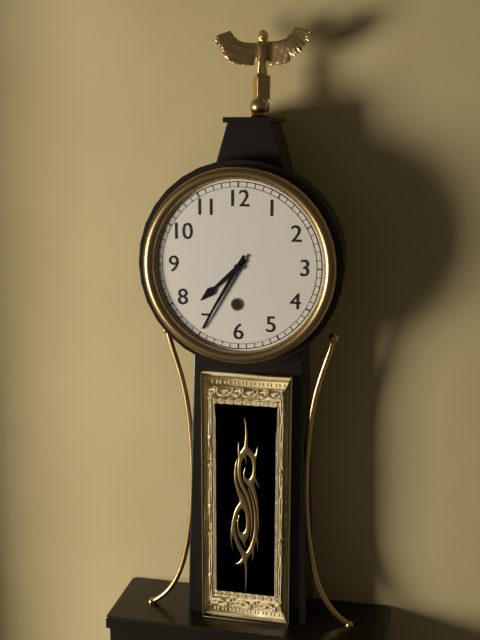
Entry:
7 h 35 min
